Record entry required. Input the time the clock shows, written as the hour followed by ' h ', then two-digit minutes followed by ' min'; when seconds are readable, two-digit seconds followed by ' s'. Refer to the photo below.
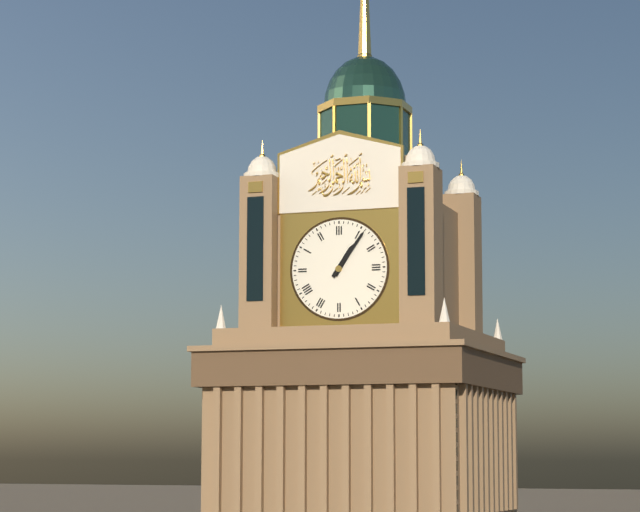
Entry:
1 h 06 min
